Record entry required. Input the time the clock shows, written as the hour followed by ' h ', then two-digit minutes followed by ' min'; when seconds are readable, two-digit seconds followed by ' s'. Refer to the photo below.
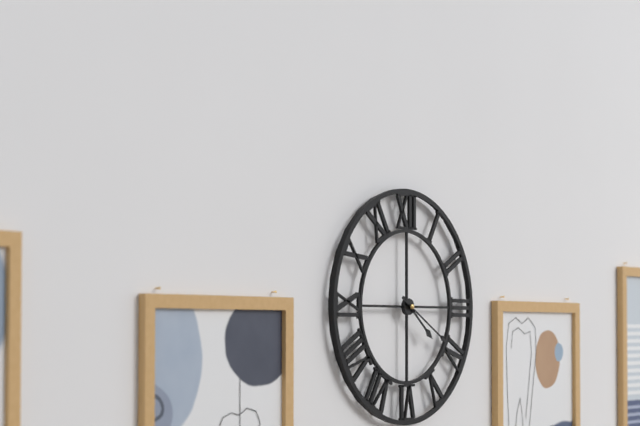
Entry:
4 h 20 min
